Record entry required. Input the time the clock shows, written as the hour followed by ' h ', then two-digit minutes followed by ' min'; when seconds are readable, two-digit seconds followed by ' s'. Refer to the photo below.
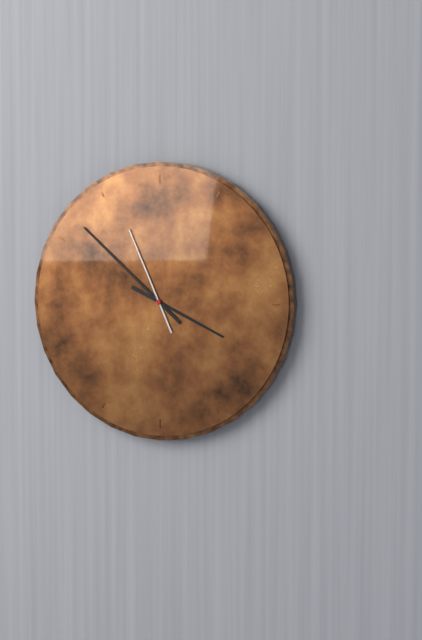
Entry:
3 h 52 min 56 s
